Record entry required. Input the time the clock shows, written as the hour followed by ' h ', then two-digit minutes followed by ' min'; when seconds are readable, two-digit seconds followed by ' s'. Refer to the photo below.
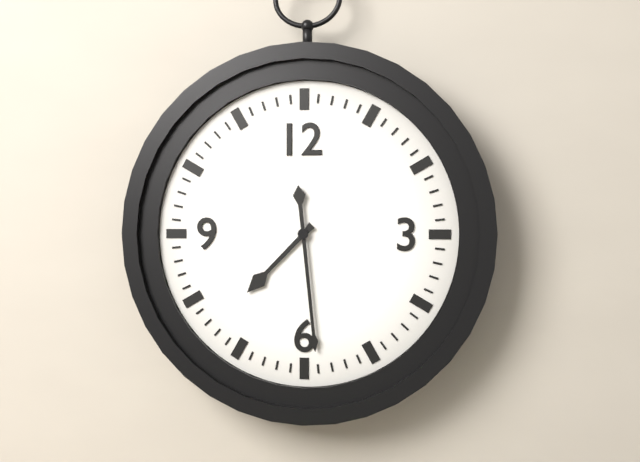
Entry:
7 h 29 min
